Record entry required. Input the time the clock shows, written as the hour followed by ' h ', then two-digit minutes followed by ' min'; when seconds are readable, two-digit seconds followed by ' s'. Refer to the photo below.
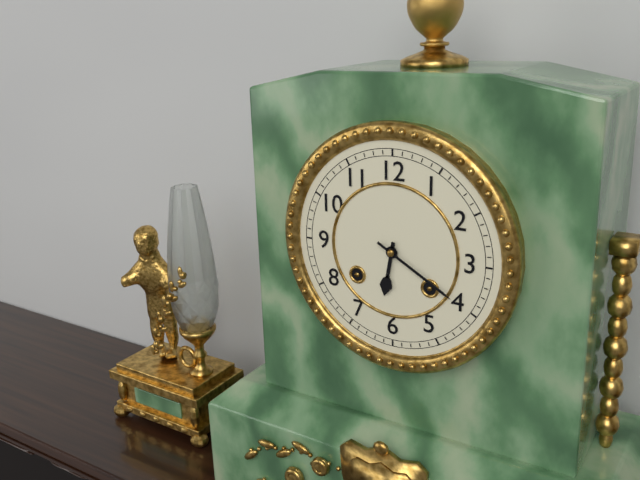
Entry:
6 h 20 min
